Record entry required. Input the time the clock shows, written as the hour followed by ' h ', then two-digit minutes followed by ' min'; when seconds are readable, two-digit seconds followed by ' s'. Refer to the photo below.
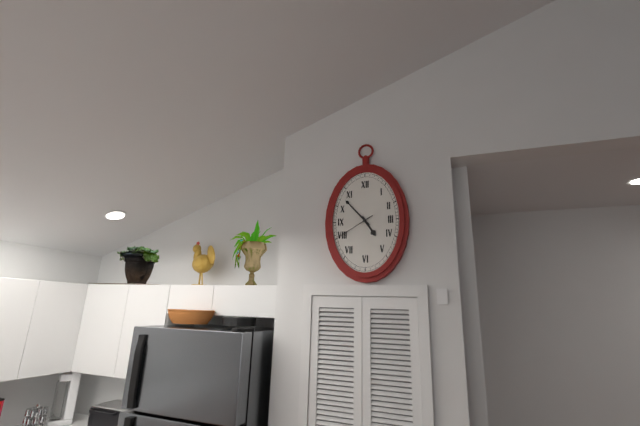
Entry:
4 h 53 min
